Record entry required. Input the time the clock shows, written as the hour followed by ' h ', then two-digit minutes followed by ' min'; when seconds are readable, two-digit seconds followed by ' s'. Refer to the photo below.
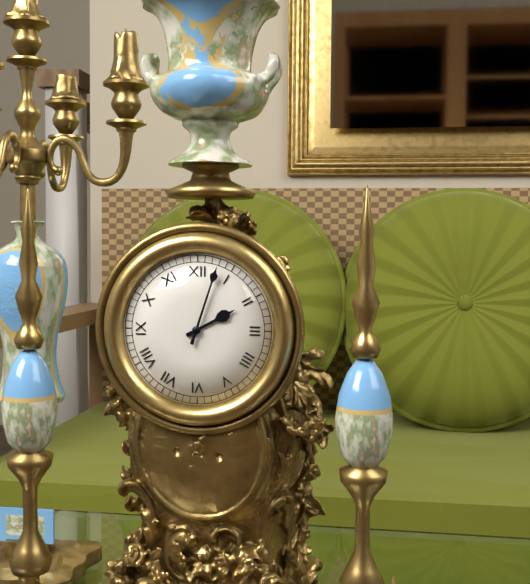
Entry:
2 h 03 min
